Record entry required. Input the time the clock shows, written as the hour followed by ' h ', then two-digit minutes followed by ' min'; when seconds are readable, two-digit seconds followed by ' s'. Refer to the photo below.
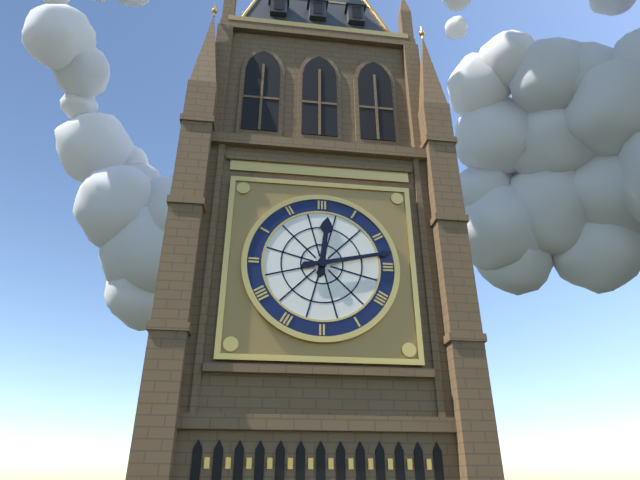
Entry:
12 h 13 min
